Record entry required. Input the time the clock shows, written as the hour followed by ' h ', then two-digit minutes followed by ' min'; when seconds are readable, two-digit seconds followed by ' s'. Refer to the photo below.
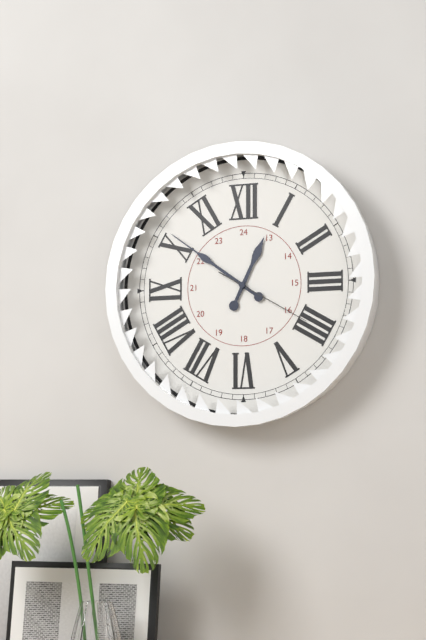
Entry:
12 h 51 min 20 s
